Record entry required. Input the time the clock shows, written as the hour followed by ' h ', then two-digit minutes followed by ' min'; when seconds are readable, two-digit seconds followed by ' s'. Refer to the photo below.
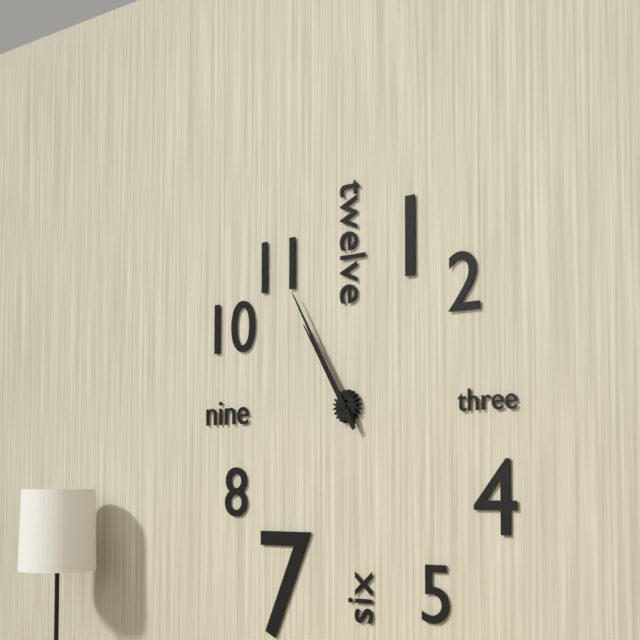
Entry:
10 h 55 min
